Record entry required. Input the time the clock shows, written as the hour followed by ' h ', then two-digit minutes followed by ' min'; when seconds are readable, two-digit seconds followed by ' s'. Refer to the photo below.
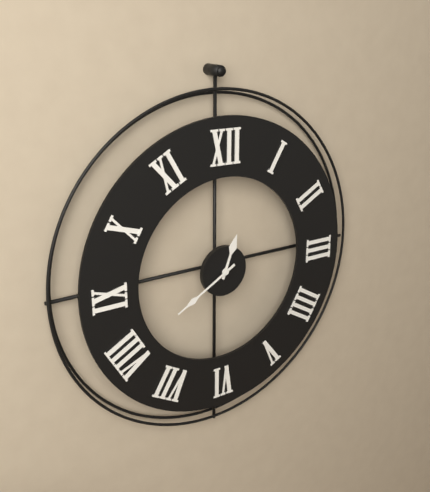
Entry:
12 h 40 min
